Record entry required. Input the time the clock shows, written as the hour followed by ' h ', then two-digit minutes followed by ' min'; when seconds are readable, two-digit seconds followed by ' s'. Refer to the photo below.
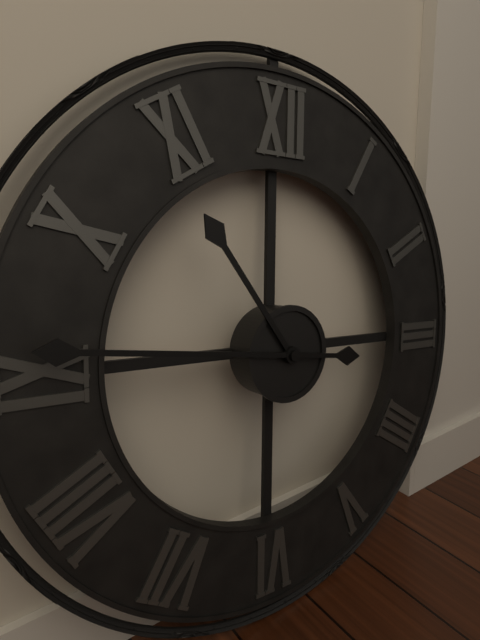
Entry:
10 h 46 min
